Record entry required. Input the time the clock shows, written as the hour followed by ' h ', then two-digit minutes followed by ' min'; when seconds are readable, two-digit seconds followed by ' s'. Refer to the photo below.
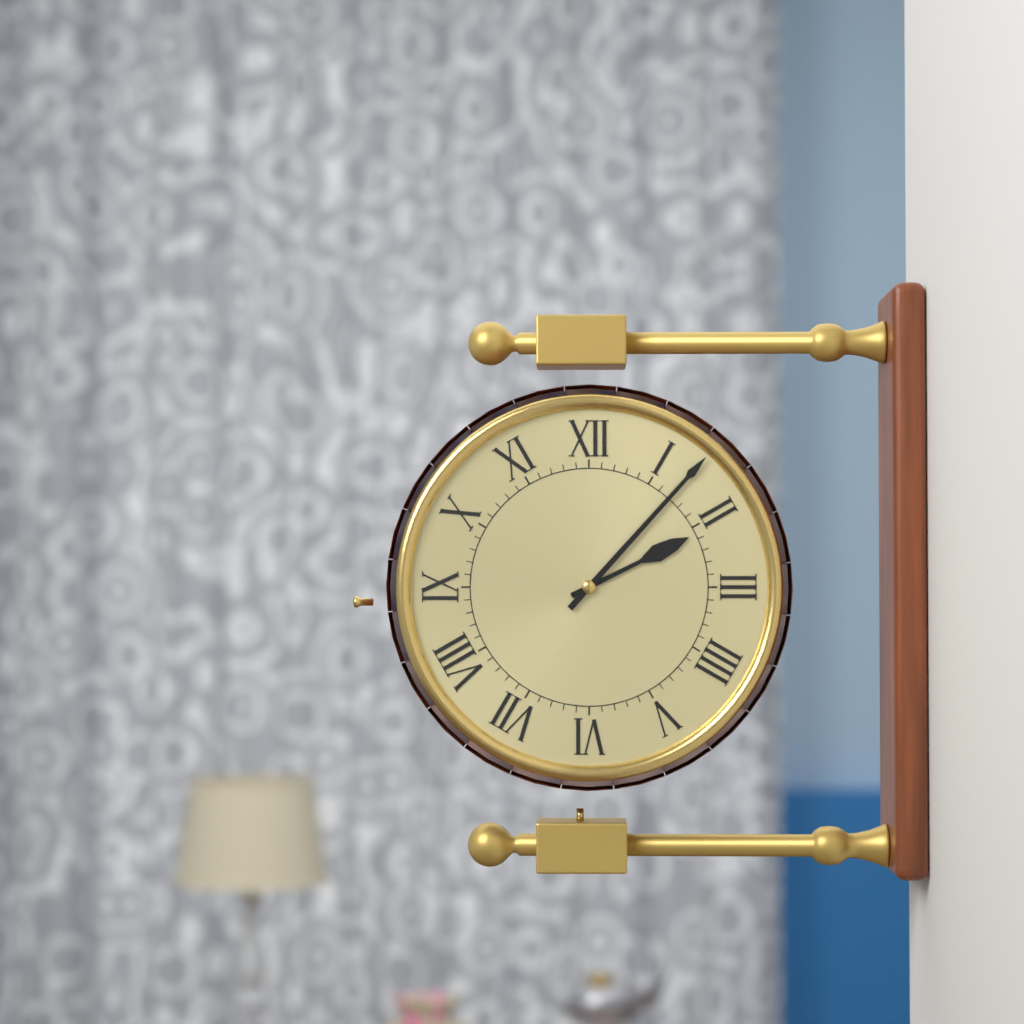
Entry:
2 h 07 min
